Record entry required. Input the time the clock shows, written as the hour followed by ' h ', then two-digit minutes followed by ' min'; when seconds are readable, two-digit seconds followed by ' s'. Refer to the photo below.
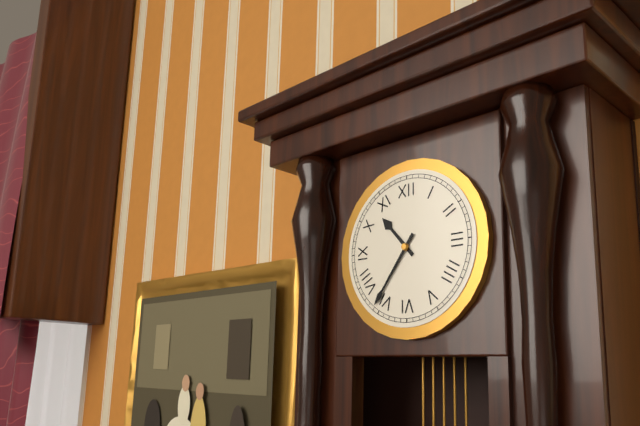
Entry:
10 h 36 min
